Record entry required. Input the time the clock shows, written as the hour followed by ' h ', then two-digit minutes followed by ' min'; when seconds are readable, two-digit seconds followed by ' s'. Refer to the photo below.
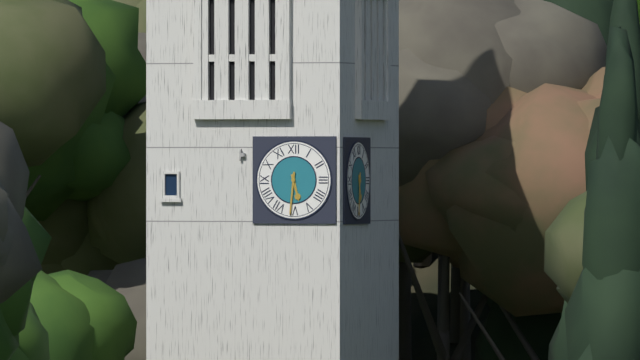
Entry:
5 h 31 min
